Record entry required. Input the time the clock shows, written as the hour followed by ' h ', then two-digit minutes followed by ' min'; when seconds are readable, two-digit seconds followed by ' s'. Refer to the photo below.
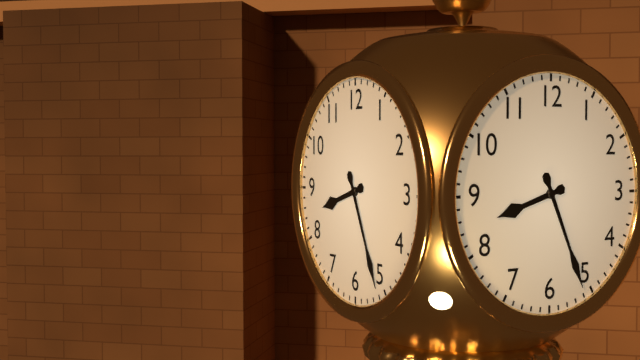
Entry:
8 h 26 min
